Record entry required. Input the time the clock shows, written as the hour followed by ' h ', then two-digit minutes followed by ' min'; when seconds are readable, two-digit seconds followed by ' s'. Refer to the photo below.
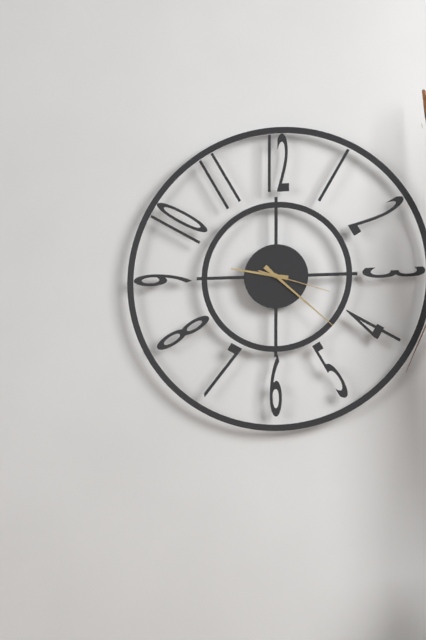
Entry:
9 h 22 min 18 s
